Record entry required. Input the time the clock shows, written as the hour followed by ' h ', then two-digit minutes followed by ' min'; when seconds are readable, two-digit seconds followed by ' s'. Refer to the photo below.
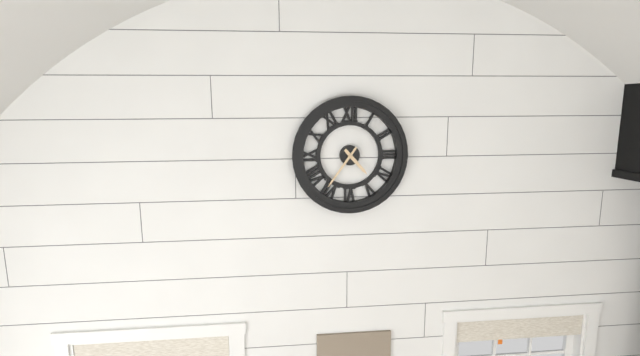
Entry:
4 h 36 min
